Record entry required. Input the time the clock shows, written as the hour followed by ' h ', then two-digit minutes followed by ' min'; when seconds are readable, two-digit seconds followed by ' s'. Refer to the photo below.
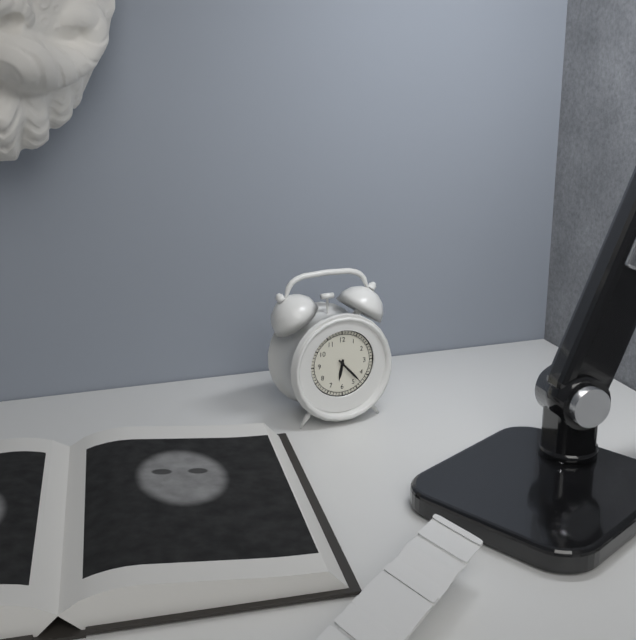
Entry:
6 h 23 min
